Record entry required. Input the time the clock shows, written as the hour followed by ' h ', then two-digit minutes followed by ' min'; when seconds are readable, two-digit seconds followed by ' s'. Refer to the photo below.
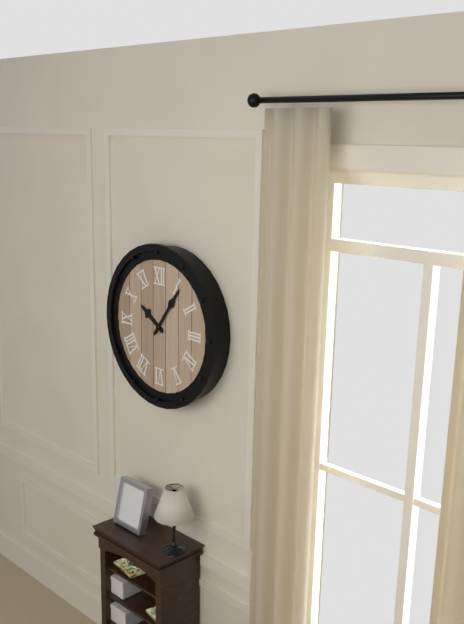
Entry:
10 h 06 min
